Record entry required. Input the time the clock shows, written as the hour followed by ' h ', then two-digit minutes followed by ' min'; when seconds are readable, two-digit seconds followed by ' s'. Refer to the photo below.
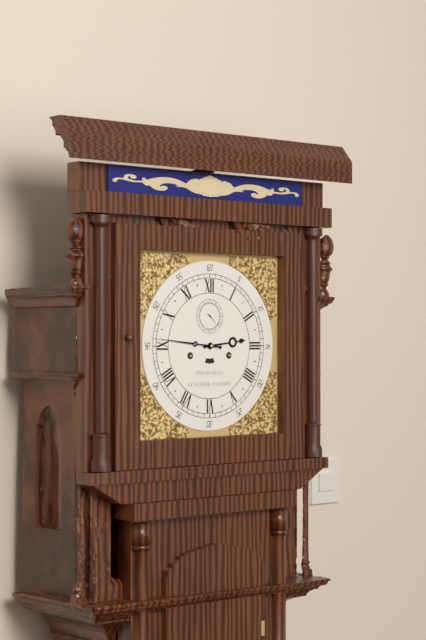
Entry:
2 h 46 min
